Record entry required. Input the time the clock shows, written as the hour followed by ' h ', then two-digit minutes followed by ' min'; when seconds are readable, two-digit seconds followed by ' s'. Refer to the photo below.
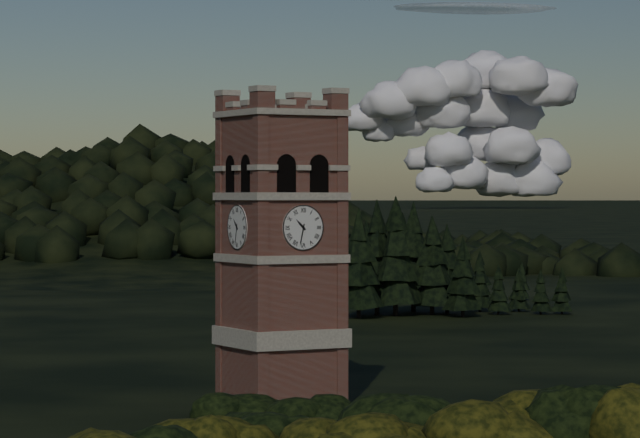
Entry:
10 h 32 min
